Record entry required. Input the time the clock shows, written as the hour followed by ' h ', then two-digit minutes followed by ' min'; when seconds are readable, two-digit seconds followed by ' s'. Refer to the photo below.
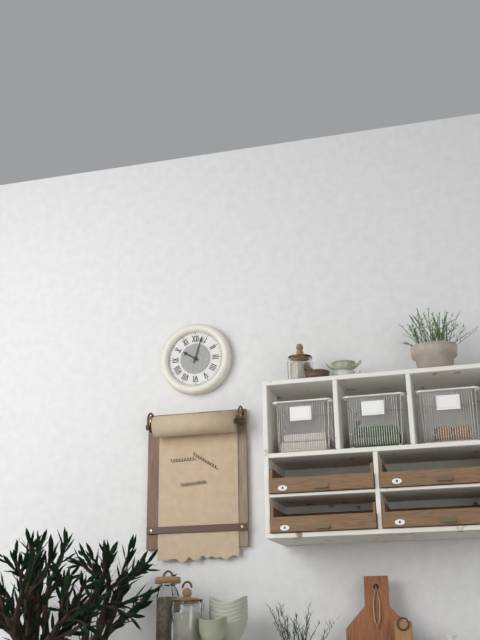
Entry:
10 h 03 min
